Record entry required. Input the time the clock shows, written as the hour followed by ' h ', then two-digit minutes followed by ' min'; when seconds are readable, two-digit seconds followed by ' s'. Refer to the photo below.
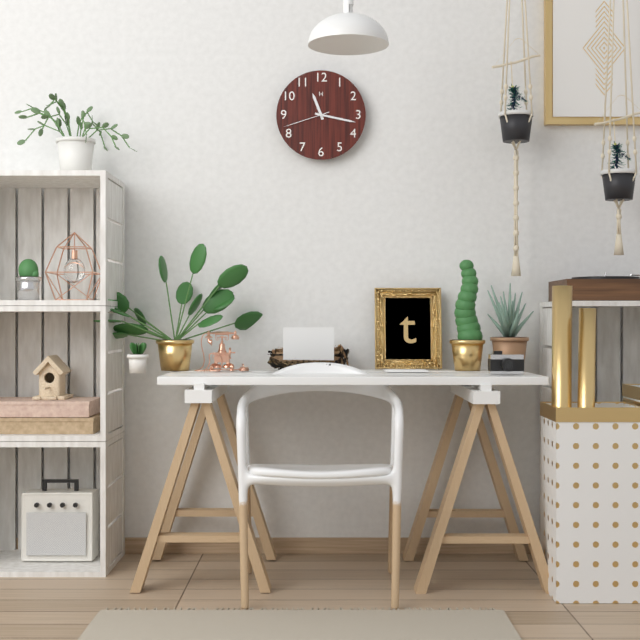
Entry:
11 h 17 min
